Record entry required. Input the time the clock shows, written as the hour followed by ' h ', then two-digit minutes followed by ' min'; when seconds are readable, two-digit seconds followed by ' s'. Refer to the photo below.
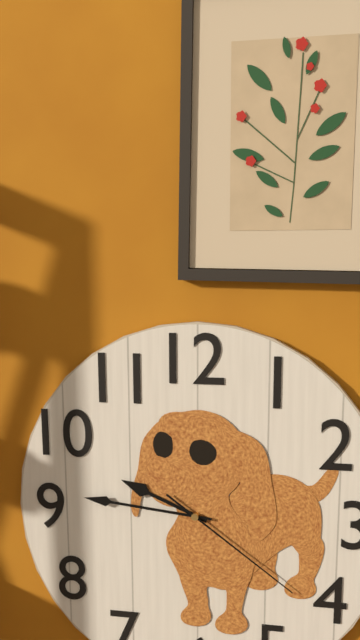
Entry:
9 h 46 min 21 s
